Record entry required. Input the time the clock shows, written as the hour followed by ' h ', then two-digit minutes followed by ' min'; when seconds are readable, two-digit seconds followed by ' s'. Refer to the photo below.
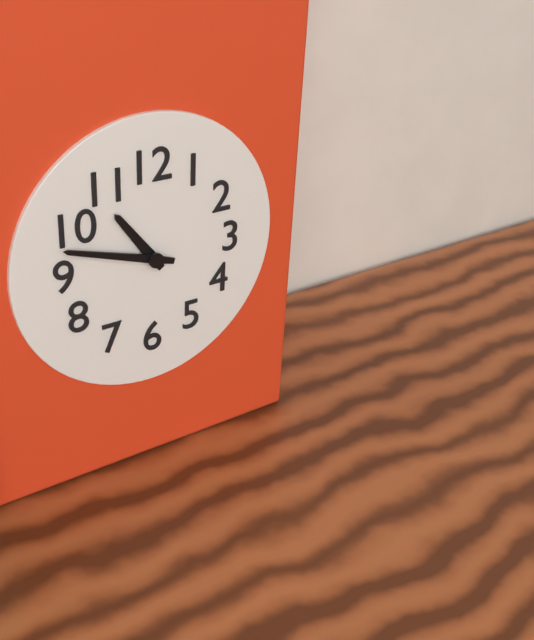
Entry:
10 h 48 min
